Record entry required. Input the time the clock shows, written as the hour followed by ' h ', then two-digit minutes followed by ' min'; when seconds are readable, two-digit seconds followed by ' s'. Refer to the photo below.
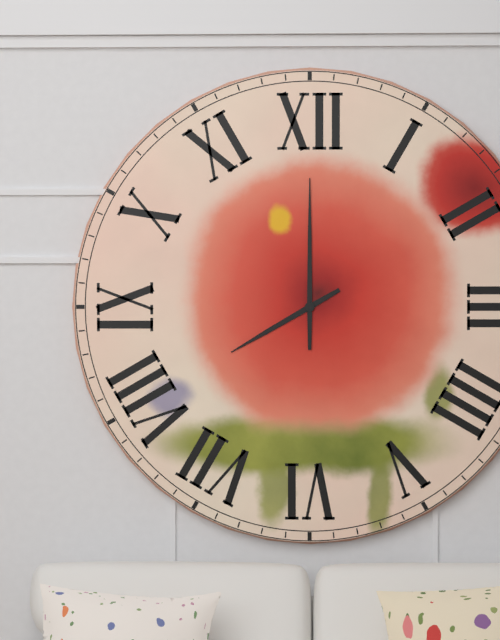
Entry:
8 h 00 min
